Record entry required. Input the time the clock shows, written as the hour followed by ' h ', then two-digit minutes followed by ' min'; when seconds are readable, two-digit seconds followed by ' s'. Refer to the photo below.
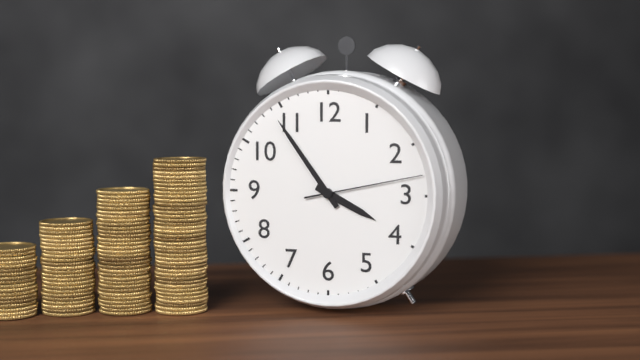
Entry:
3 h 54 min 13 s
